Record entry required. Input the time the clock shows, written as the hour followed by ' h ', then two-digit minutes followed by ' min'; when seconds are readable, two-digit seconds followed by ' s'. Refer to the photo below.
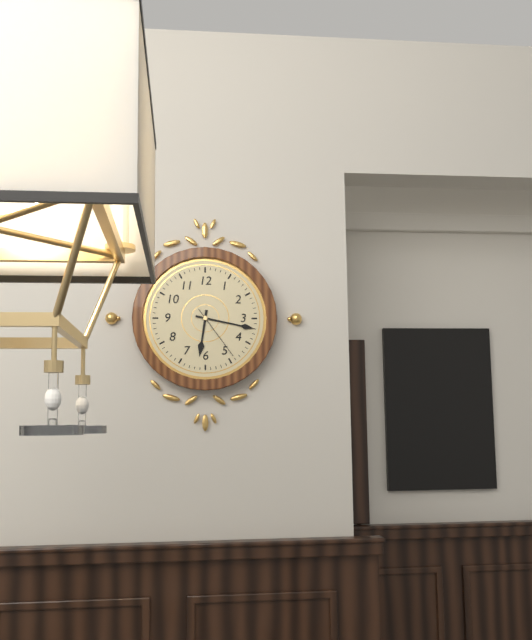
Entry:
6 h 17 min 24 s
